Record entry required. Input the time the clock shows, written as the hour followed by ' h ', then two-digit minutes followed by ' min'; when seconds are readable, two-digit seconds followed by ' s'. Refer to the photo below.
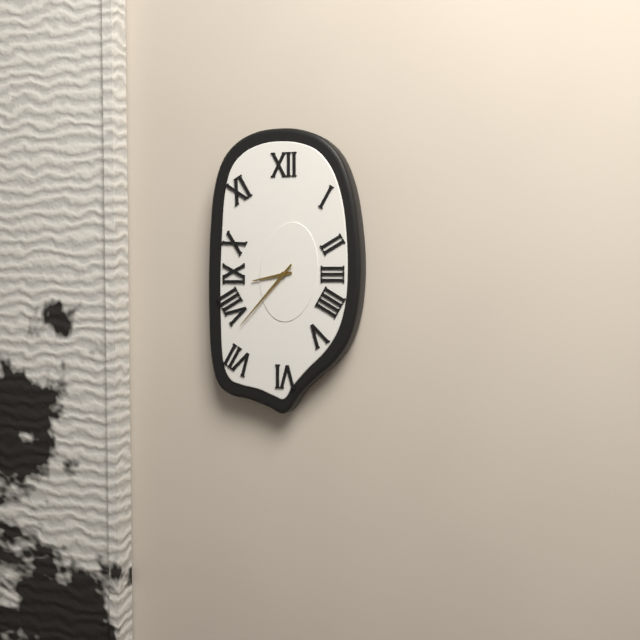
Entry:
8 h 37 min
